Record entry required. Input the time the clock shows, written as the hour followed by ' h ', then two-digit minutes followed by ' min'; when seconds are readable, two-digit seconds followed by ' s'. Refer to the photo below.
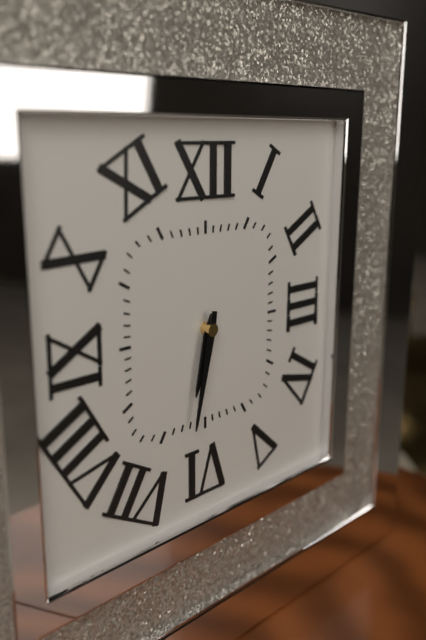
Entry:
6 h 32 min
